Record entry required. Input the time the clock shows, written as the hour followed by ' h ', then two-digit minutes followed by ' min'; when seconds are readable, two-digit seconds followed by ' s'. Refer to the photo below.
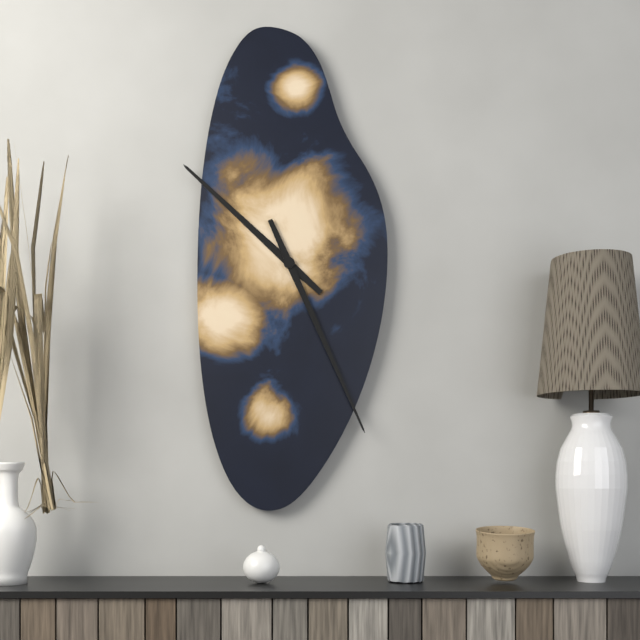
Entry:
10 h 26 min
